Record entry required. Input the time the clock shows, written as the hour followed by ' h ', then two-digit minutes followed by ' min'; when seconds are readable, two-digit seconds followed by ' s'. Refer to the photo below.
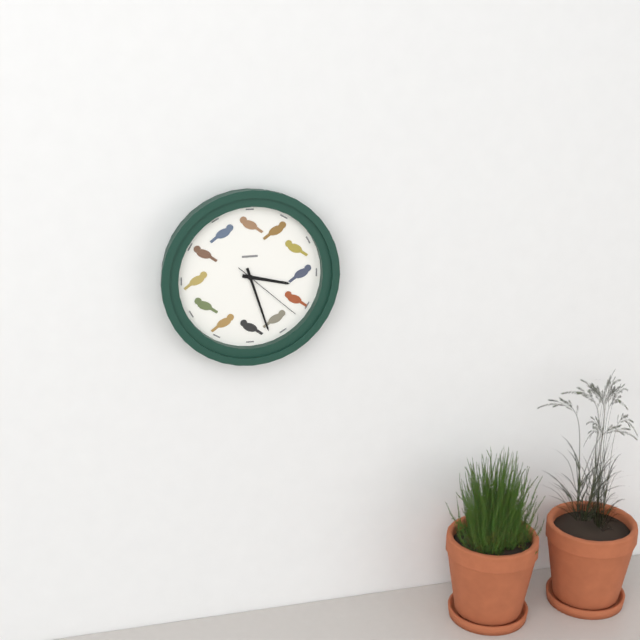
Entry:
3 h 27 min 22 s
